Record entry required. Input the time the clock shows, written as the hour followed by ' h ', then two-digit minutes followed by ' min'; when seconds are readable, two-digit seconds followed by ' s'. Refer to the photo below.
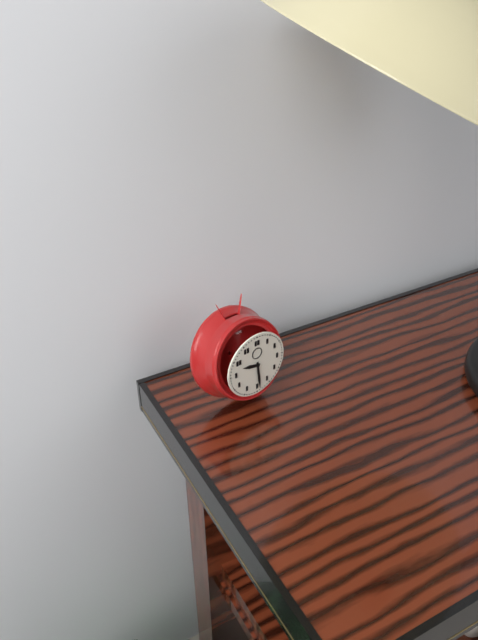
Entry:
9 h 29 min
